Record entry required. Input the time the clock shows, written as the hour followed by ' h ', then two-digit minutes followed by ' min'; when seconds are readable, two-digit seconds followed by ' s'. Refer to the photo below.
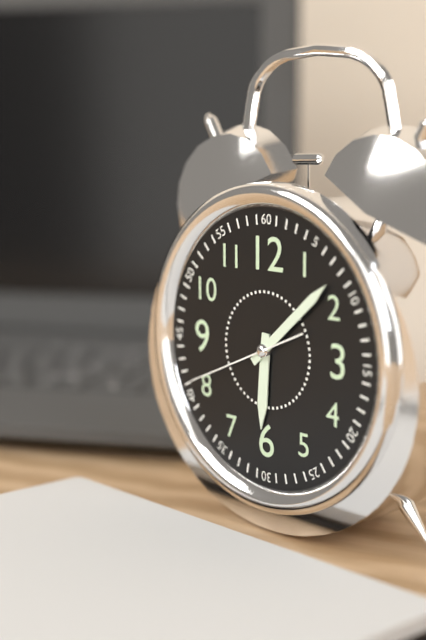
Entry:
6 h 08 min 41 s
